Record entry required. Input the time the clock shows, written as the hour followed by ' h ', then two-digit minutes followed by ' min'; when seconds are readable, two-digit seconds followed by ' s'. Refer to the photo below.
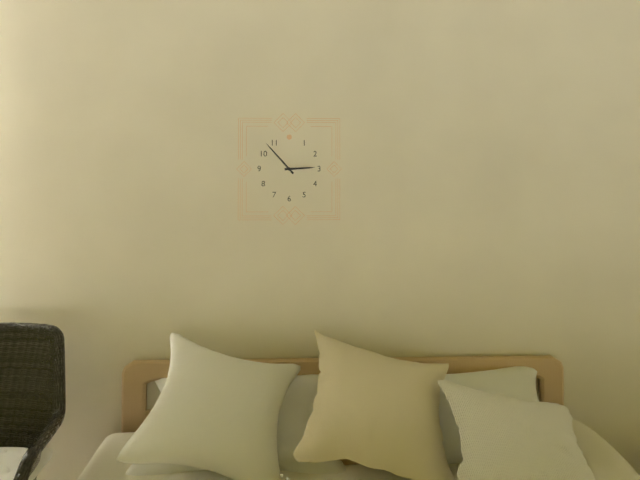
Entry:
2 h 53 min
